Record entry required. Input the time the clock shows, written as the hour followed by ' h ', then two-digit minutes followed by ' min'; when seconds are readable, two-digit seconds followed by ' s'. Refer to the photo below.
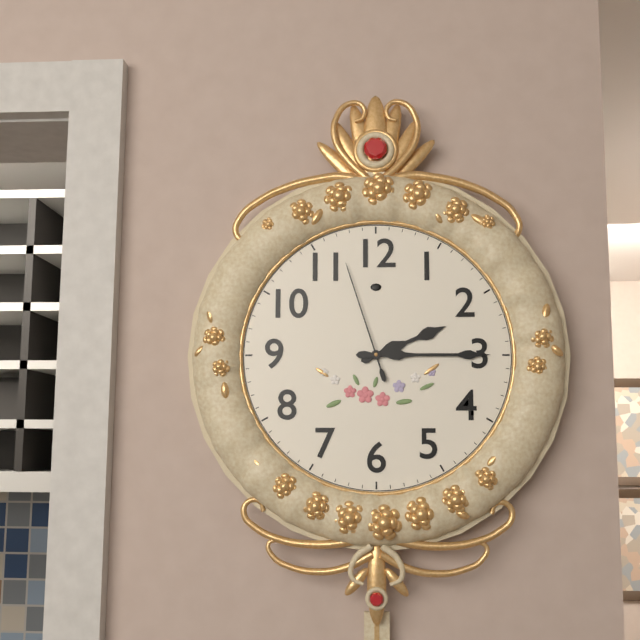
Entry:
2 h 15 min 57 s
